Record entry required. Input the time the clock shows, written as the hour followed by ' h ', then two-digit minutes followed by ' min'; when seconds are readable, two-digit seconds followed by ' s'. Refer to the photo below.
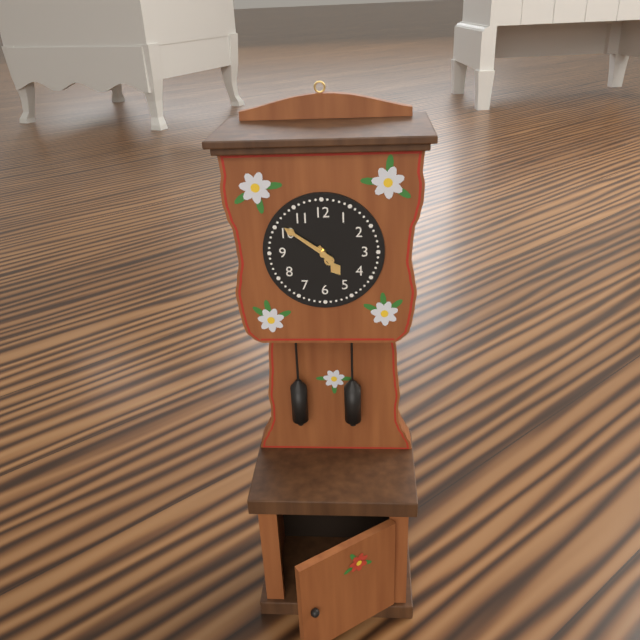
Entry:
4 h 51 min
